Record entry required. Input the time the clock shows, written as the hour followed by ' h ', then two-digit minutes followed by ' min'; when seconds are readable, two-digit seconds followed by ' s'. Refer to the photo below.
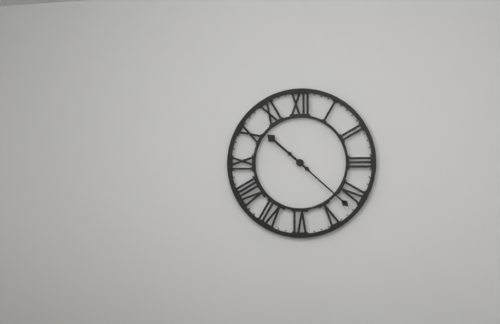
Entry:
10 h 22 min
